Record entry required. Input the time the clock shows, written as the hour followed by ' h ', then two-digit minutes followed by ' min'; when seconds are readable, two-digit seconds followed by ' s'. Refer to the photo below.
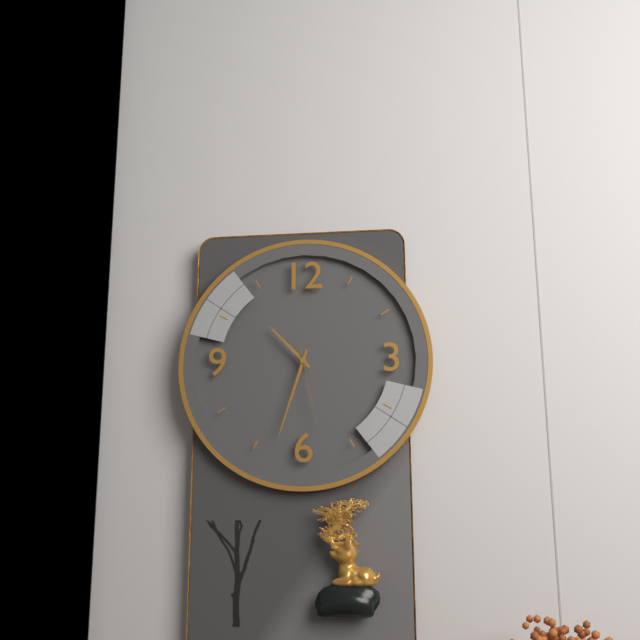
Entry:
10 h 33 min 28 s
